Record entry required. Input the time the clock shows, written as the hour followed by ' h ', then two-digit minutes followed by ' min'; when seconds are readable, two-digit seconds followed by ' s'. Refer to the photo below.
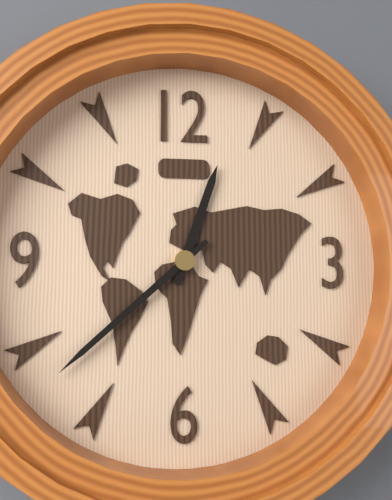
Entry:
12 h 38 min
